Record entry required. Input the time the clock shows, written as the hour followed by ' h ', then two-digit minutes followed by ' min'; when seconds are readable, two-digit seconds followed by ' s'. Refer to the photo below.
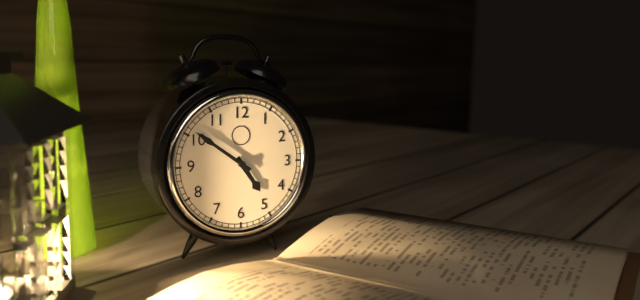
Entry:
4 h 51 min
